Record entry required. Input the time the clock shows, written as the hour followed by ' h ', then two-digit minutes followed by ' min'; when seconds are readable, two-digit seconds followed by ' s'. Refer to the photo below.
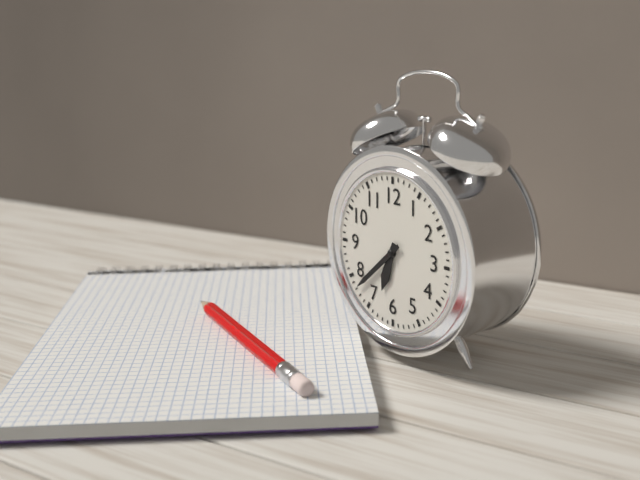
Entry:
6 h 38 min
